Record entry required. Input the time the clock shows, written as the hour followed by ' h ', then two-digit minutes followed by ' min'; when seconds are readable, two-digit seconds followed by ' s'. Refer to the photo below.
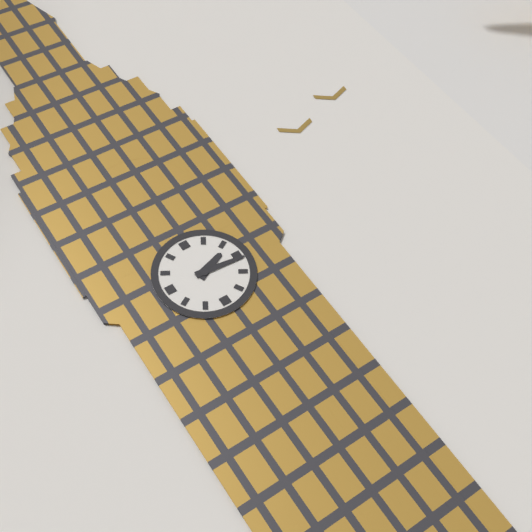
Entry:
2 h 16 min
